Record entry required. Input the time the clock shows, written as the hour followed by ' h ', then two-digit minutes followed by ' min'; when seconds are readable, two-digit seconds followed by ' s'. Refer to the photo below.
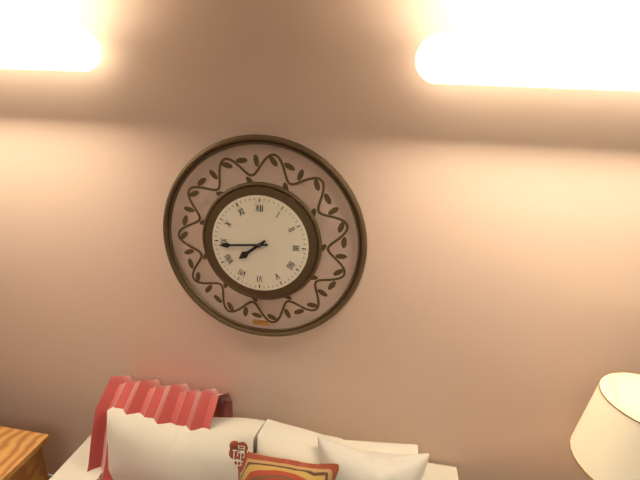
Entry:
7 h 44 min
